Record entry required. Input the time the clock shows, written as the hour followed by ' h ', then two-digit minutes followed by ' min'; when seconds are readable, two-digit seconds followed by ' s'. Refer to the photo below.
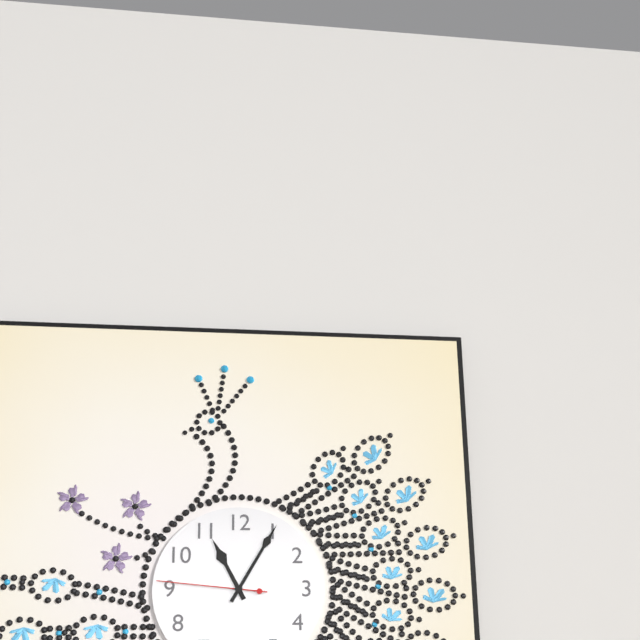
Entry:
11 h 05 min 46 s
